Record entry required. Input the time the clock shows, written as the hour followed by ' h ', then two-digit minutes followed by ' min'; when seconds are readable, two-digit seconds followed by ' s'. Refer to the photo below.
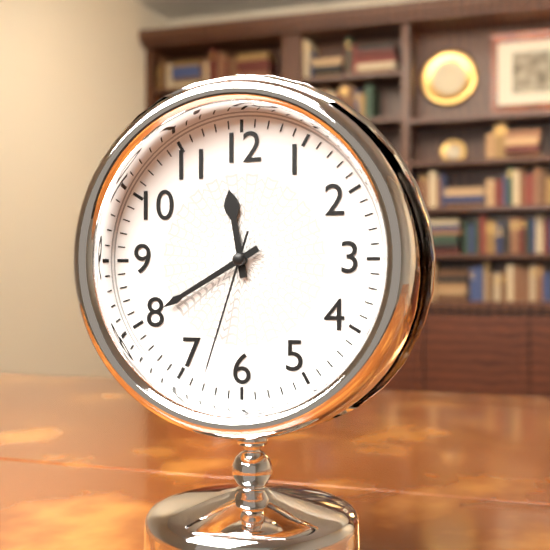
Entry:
11 h 40 min 33 s
